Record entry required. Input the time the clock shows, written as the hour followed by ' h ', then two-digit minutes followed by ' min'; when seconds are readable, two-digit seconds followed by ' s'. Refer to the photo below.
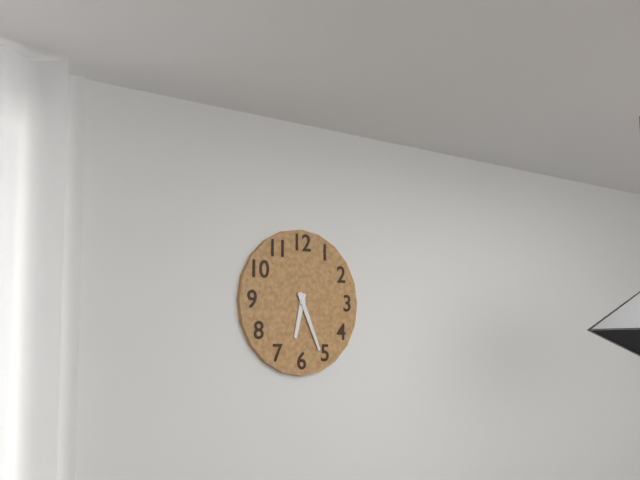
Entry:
6 h 26 min
